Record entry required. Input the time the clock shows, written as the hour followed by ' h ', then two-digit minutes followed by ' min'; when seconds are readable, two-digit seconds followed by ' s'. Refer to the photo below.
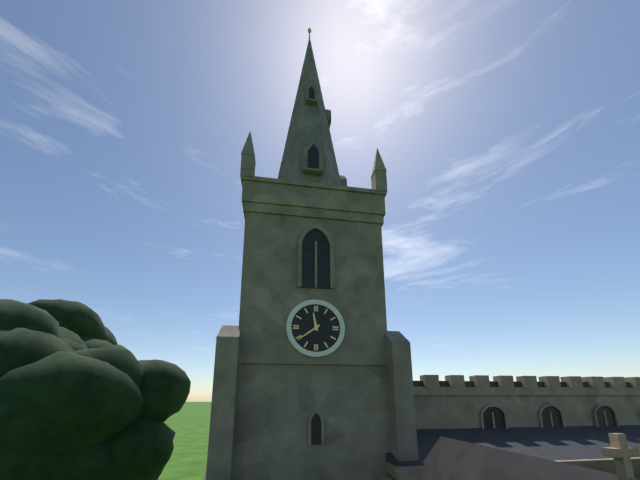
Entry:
11 h 39 min
